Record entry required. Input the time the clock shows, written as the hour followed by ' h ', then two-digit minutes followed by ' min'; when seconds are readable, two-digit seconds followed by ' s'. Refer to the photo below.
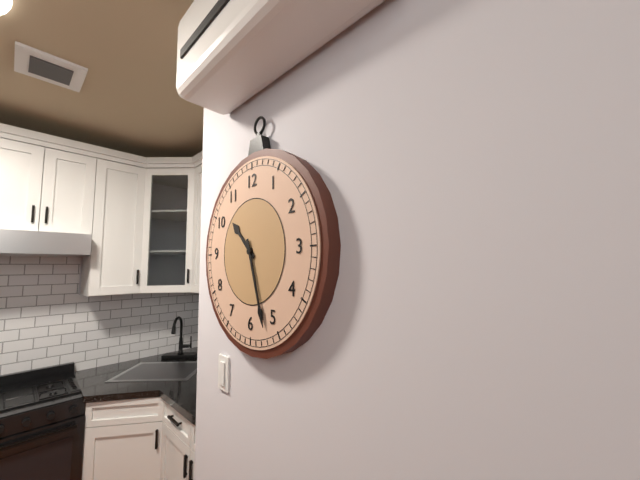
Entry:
10 h 27 min
